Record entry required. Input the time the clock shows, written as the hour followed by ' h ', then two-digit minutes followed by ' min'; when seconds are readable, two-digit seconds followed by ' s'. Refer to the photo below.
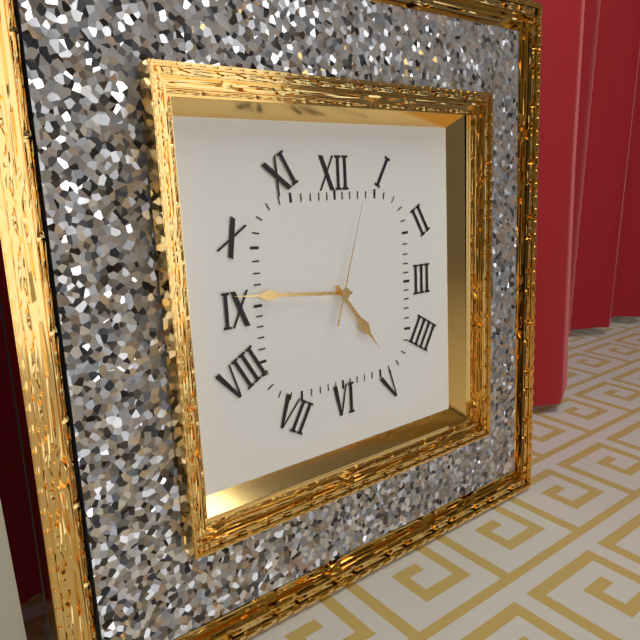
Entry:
4 h 46 min 03 s
